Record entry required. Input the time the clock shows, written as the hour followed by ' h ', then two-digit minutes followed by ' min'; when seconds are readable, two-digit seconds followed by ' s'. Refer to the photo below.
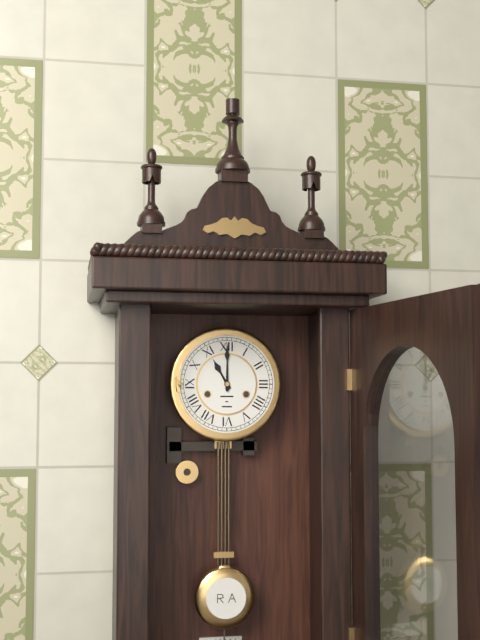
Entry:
11 h 00 min
